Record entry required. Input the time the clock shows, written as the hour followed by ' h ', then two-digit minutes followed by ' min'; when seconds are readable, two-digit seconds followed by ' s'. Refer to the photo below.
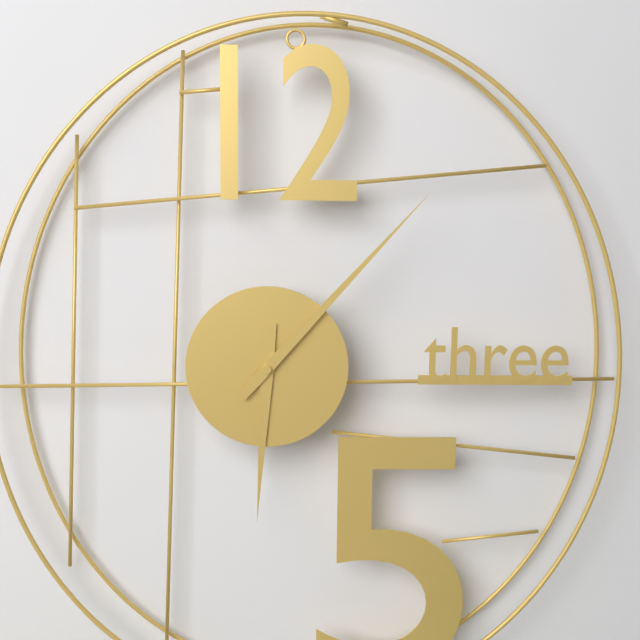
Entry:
6 h 07 min
